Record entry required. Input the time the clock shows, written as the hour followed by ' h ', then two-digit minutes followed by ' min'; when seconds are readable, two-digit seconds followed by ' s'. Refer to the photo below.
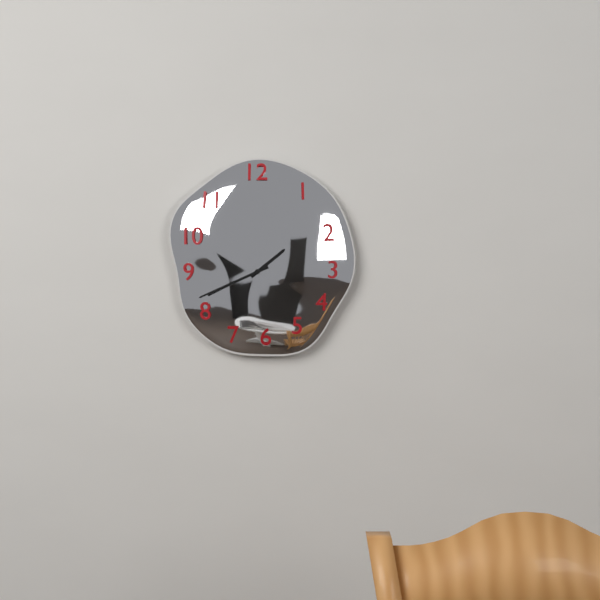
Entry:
1 h 41 min
